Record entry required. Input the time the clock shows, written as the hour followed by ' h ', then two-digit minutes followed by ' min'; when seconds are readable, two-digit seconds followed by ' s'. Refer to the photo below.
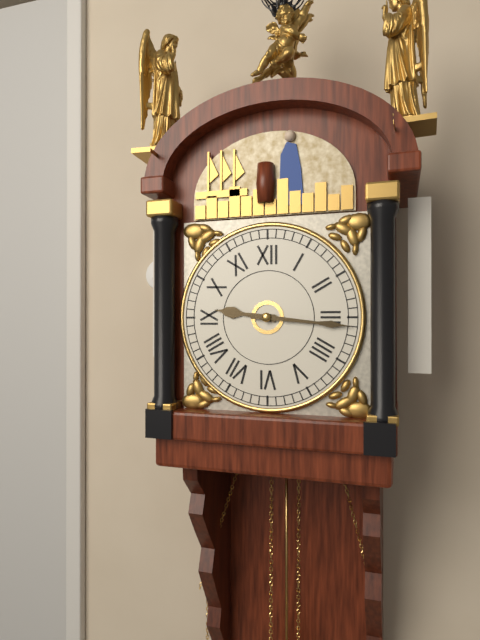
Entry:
9 h 16 min
